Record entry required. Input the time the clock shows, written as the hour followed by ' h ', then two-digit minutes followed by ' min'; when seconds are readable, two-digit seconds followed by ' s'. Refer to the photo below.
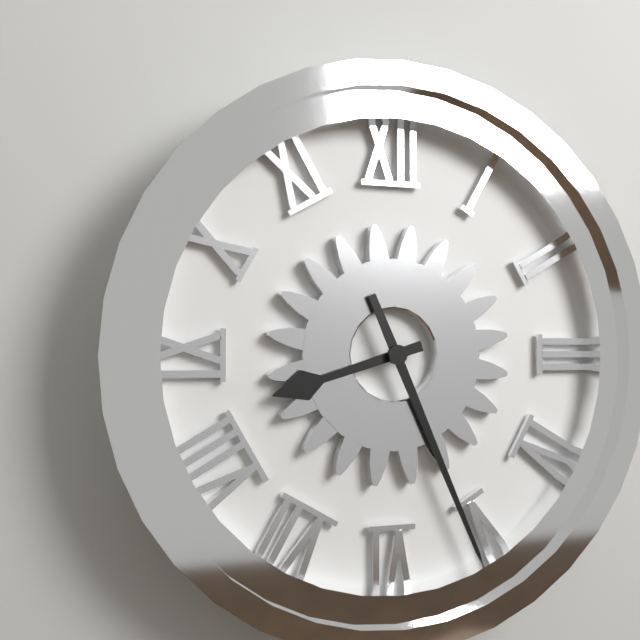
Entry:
8 h 26 min
